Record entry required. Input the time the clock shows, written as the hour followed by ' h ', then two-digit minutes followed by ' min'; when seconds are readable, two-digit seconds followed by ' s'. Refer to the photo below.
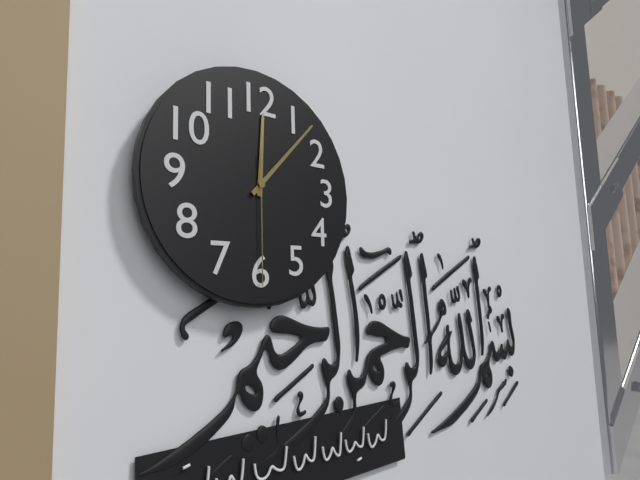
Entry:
12 h 07 min 30 s
